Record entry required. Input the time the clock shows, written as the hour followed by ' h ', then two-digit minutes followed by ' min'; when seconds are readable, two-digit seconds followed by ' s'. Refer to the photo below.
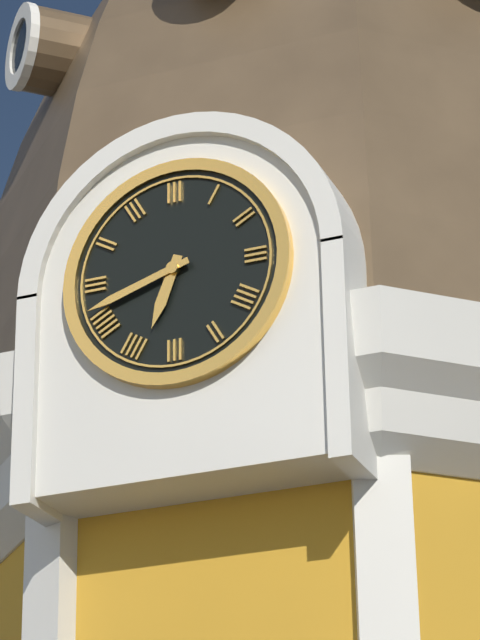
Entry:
6 h 42 min
